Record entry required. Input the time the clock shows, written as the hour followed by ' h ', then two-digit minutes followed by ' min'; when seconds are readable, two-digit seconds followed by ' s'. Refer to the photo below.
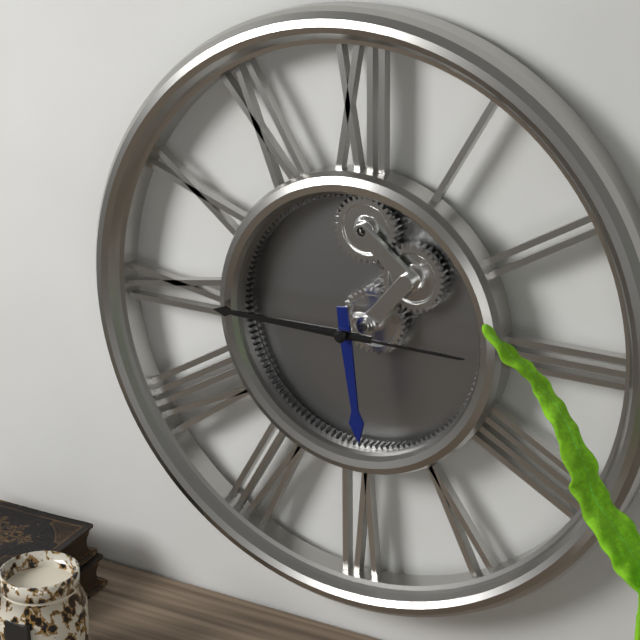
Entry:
5 h 45 min 15 s
